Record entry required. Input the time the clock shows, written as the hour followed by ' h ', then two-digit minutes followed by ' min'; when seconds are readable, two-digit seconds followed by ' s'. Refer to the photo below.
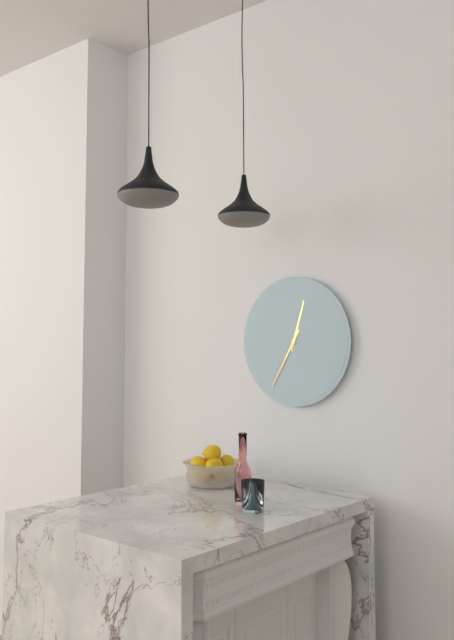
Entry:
12 h 35 min
